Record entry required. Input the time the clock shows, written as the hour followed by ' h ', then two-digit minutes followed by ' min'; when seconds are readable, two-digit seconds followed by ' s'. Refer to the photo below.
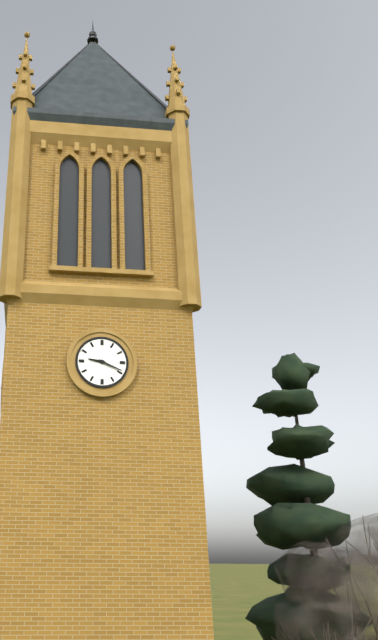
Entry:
9 h 19 min
